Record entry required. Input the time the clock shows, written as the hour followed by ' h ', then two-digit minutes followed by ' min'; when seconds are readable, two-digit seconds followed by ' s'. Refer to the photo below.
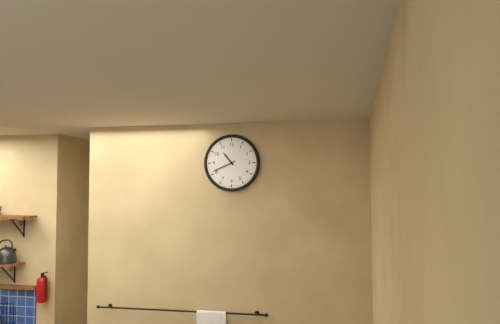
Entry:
10 h 41 min
